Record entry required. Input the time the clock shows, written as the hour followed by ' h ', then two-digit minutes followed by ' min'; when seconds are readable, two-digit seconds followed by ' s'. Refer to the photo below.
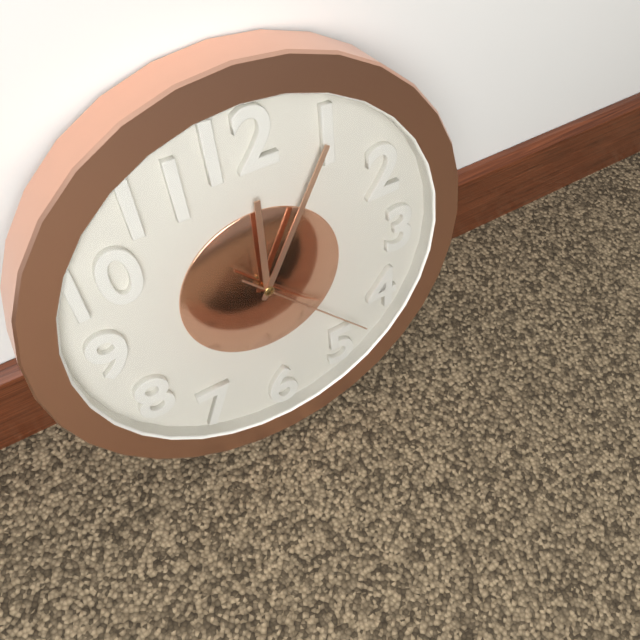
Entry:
12 h 05 min 23 s
